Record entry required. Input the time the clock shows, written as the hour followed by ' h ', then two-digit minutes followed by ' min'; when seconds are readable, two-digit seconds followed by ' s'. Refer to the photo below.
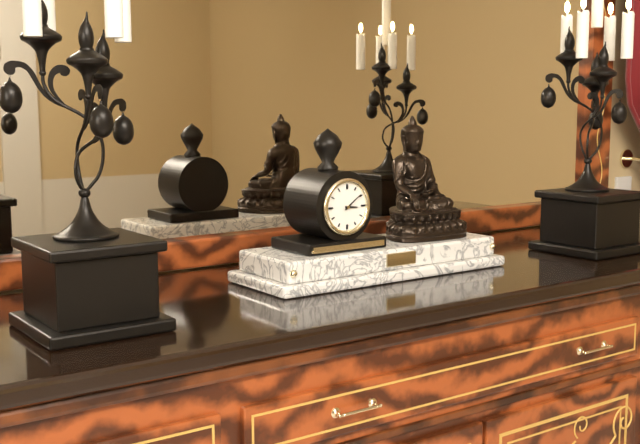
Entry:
3 h 09 min
